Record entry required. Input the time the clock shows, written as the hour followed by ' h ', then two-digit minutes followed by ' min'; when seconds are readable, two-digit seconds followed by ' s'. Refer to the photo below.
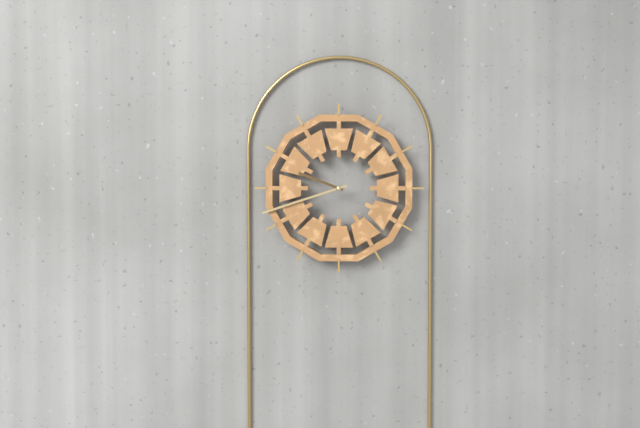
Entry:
9 h 42 min
